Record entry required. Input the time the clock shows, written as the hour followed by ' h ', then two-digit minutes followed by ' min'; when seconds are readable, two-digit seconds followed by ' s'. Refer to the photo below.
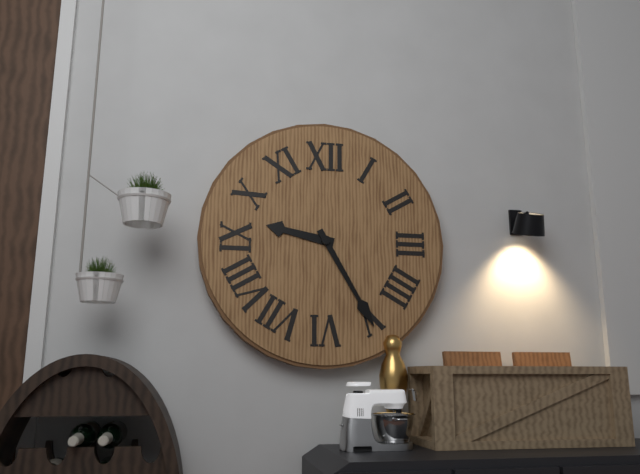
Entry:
9 h 25 min
